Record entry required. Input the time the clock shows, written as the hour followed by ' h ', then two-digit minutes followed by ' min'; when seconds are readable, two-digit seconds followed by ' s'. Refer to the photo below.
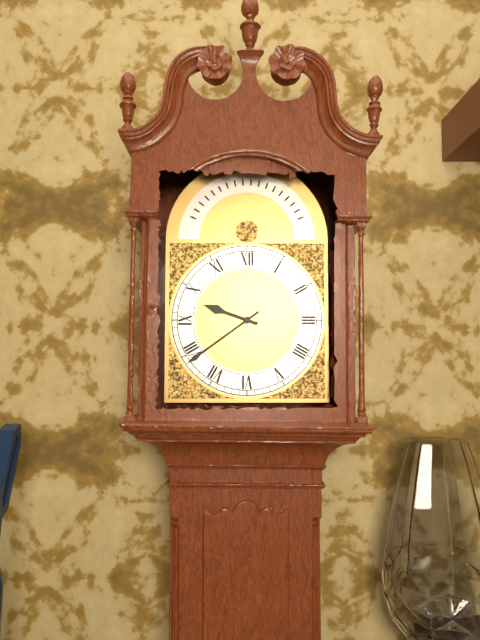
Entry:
9 h 39 min
